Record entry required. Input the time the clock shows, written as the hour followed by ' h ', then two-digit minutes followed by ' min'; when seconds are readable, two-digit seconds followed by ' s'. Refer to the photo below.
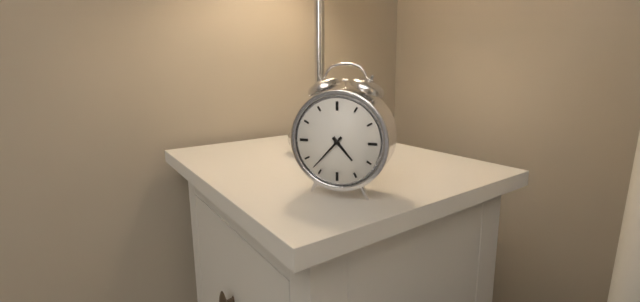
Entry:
4 h 37 min
